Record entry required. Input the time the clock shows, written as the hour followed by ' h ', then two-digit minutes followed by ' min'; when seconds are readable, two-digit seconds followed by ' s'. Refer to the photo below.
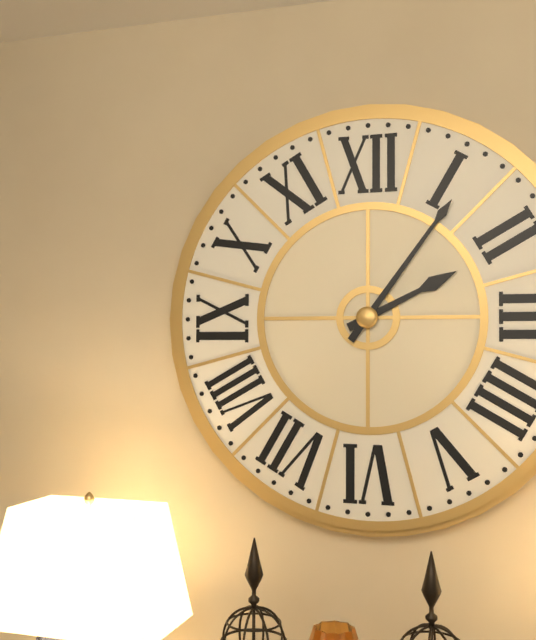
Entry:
2 h 06 min
